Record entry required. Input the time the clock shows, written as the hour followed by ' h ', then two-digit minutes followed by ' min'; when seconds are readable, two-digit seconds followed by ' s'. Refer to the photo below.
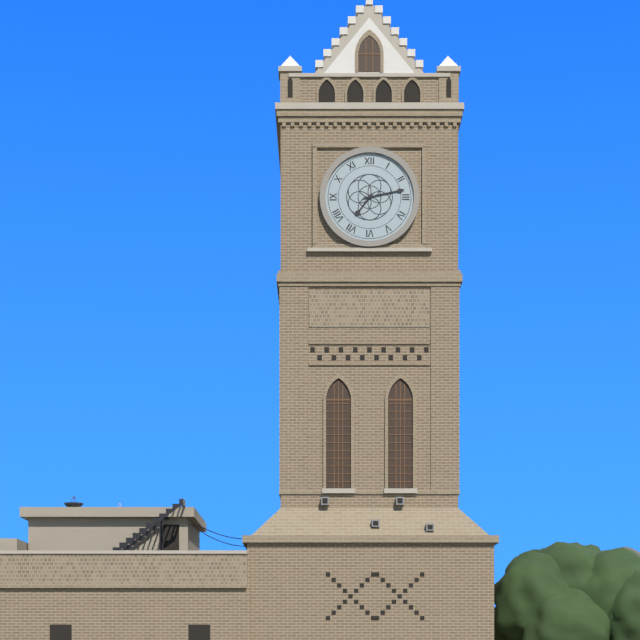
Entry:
7 h 13 min
